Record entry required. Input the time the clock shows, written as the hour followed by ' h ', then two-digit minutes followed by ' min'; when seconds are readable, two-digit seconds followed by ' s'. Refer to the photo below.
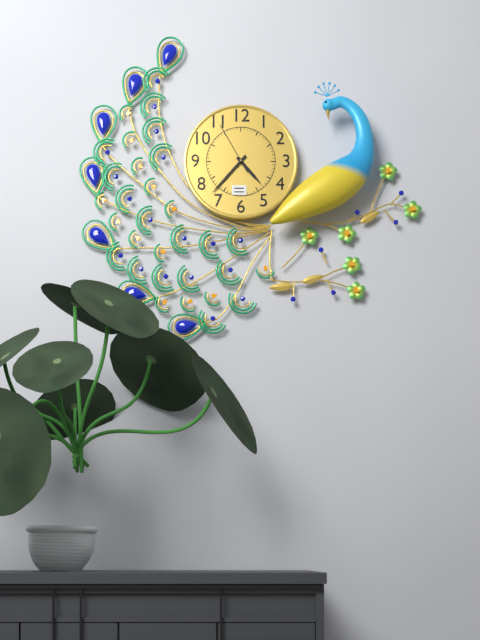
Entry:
4 h 37 min 55 s
